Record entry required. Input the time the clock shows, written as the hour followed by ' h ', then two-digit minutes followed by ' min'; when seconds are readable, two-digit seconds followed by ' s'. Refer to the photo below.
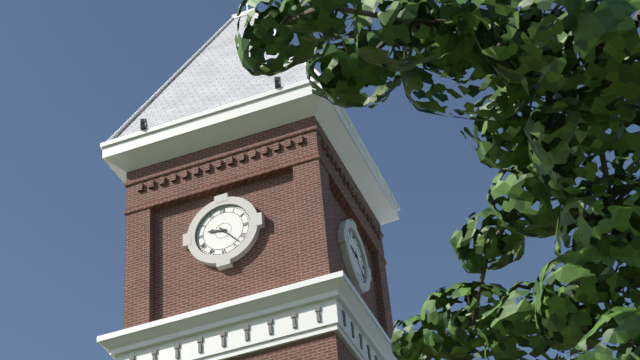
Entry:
9 h 23 min
